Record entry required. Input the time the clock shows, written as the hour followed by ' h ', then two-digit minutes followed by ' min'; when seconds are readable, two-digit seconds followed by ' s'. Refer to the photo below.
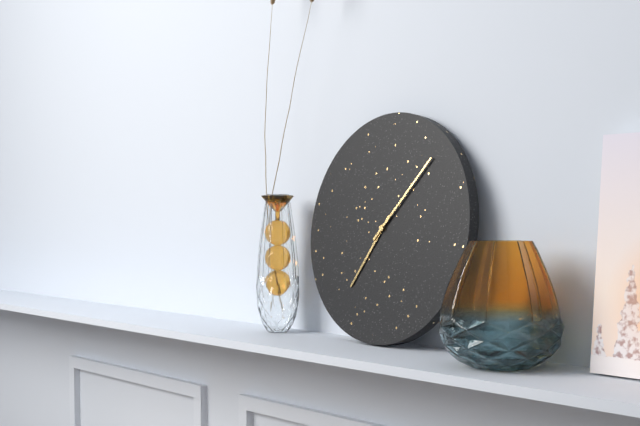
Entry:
7 h 07 min
